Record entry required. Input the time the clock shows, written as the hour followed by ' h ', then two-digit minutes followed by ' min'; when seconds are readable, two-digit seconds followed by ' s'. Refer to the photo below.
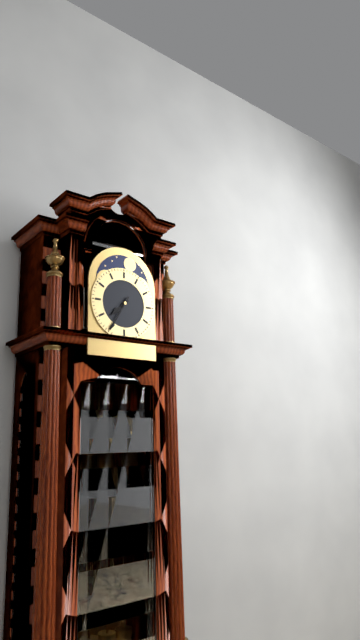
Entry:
7 h 35 min
